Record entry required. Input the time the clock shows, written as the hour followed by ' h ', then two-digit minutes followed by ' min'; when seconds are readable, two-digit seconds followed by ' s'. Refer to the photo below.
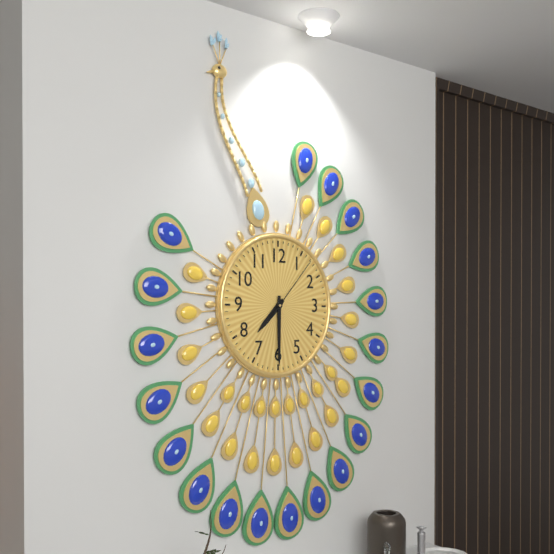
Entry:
7 h 30 min 07 s
